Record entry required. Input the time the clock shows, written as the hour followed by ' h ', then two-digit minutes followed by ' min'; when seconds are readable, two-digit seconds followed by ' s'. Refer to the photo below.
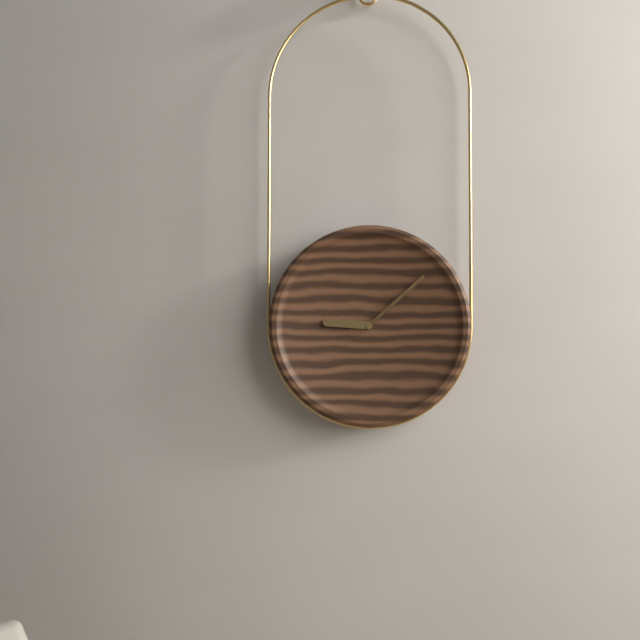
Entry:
9 h 08 min
